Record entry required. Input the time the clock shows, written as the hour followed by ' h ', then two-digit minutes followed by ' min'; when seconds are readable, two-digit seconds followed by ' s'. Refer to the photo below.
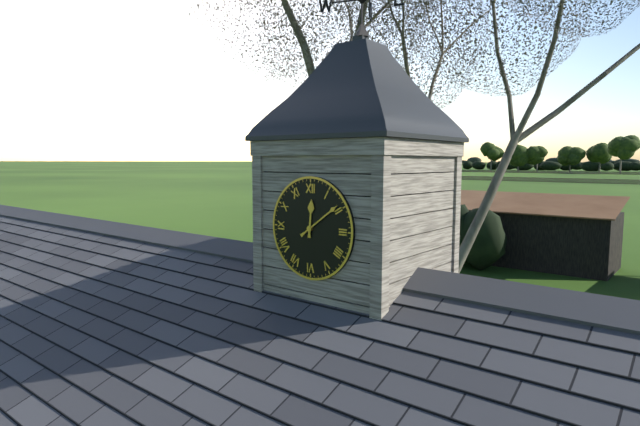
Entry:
12 h 09 min
